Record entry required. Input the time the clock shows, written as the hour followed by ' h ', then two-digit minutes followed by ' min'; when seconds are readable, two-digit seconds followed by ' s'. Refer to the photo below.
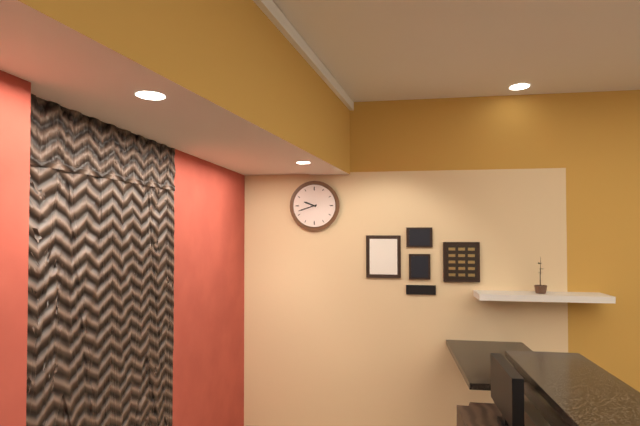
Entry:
9 h 42 min
